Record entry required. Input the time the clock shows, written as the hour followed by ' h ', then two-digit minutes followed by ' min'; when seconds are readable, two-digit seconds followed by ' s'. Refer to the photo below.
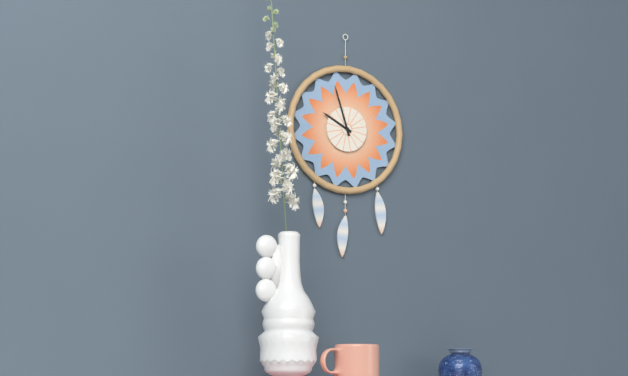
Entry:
9 h 57 min
